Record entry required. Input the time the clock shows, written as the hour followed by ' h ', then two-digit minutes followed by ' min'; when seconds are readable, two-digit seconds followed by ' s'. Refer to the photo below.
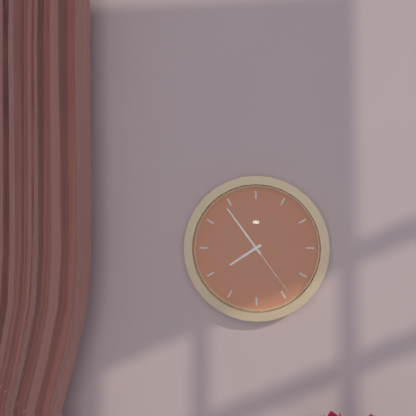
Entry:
7 h 54 min 24 s
